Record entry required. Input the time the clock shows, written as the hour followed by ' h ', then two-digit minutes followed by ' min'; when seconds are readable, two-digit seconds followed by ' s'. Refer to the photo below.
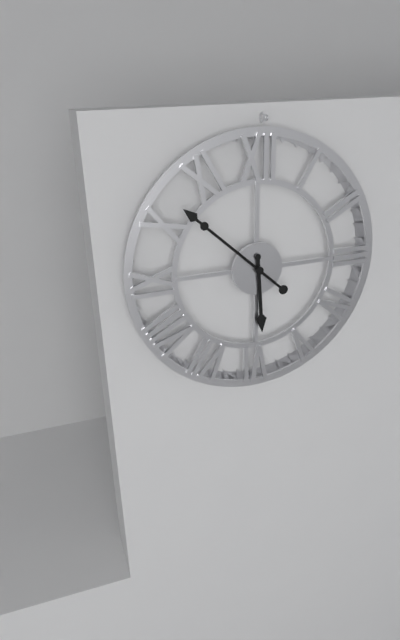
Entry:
5 h 52 min
